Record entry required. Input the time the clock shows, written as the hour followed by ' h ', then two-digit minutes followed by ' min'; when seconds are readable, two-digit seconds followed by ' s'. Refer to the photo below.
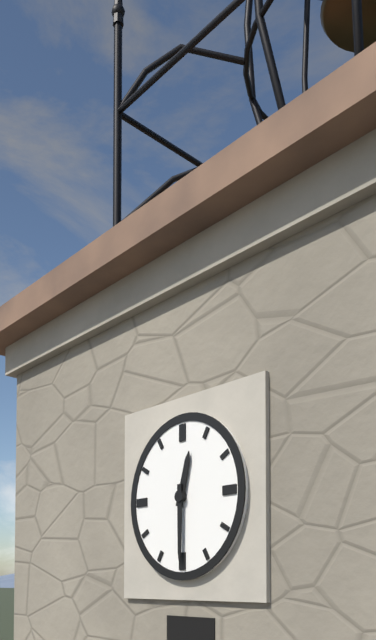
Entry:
12 h 30 min
